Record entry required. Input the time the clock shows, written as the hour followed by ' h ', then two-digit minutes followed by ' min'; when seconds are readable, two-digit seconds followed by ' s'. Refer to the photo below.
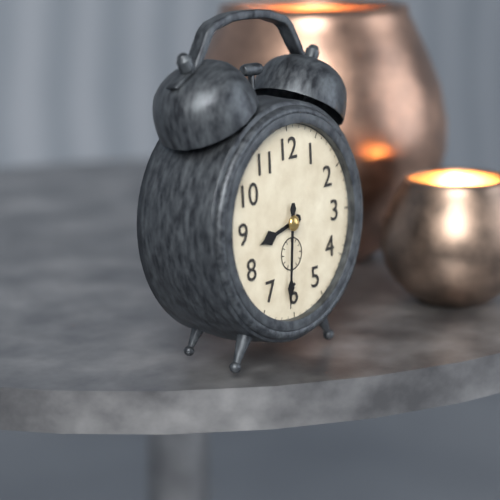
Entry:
8 h 31 min
